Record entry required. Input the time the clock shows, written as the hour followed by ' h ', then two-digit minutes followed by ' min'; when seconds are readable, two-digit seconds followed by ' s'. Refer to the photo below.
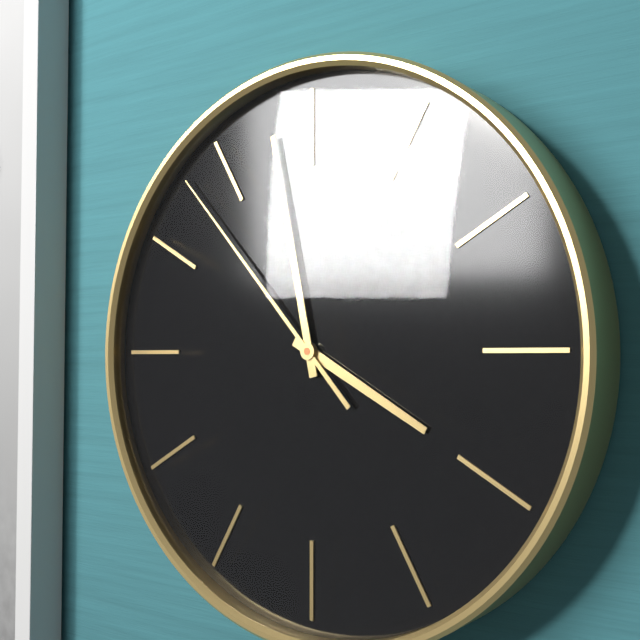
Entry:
3 h 58 min 53 s
